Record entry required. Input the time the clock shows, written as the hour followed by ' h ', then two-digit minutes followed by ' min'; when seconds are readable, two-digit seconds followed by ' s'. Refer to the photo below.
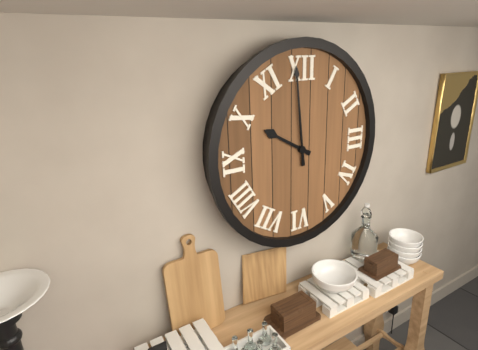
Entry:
9 h 59 min
